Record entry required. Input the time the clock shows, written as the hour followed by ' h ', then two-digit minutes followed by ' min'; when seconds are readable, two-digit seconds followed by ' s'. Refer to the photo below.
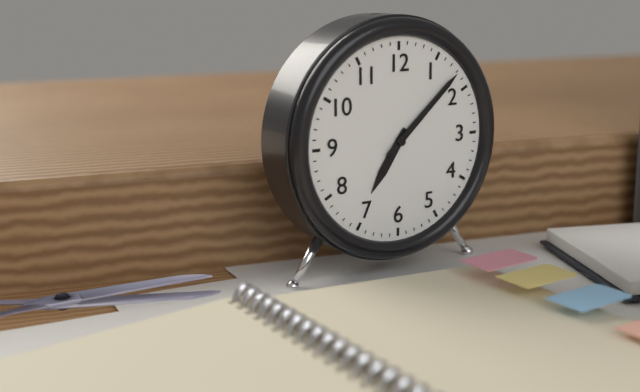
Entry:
7 h 08 min
